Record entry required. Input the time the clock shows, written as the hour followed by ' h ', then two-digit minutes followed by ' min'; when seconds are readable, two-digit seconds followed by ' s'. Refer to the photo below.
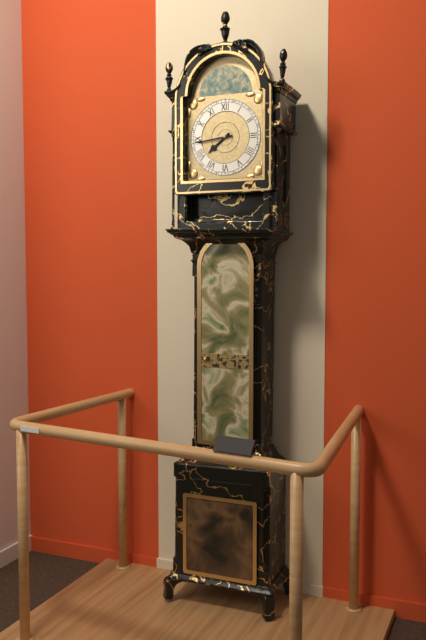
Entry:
7 h 44 min
